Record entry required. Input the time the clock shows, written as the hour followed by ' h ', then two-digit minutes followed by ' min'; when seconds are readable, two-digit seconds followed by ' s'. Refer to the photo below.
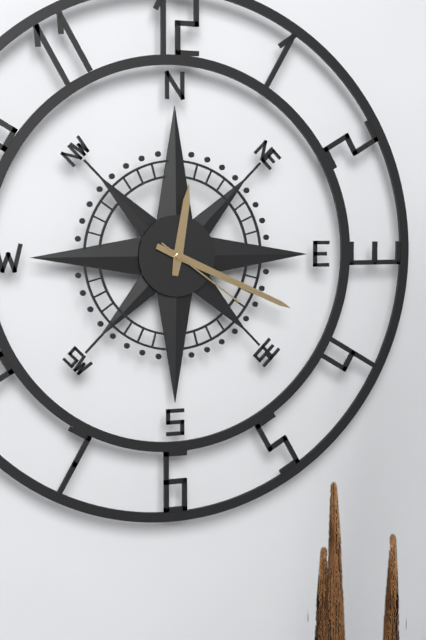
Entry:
12 h 19 min 21 s
